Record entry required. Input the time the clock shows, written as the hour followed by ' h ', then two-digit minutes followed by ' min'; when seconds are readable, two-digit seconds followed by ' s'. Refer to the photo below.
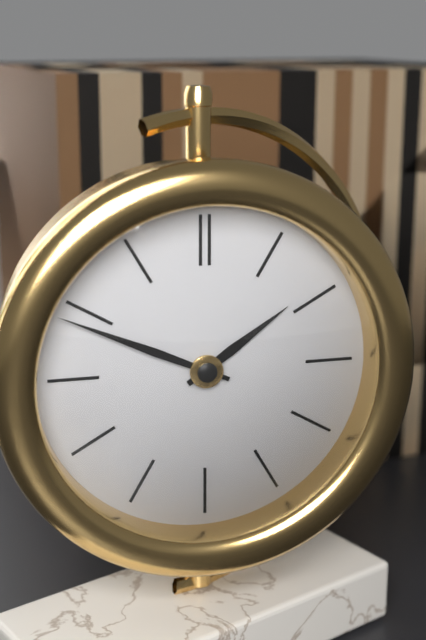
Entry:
1 h 49 min
